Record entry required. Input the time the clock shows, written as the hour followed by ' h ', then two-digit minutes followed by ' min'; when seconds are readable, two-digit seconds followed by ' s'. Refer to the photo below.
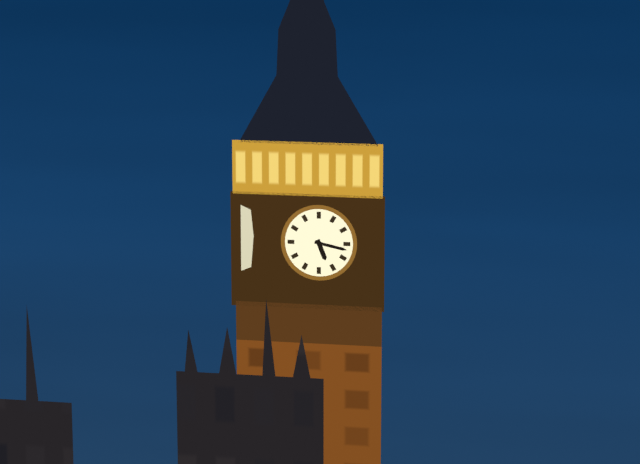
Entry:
5 h 17 min
